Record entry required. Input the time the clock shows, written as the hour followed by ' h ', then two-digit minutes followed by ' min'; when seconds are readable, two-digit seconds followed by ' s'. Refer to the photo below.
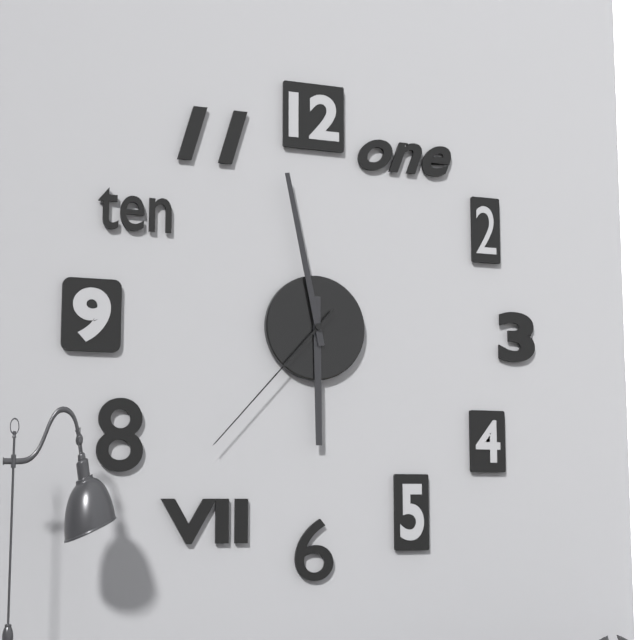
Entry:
5 h 58 min 37 s
